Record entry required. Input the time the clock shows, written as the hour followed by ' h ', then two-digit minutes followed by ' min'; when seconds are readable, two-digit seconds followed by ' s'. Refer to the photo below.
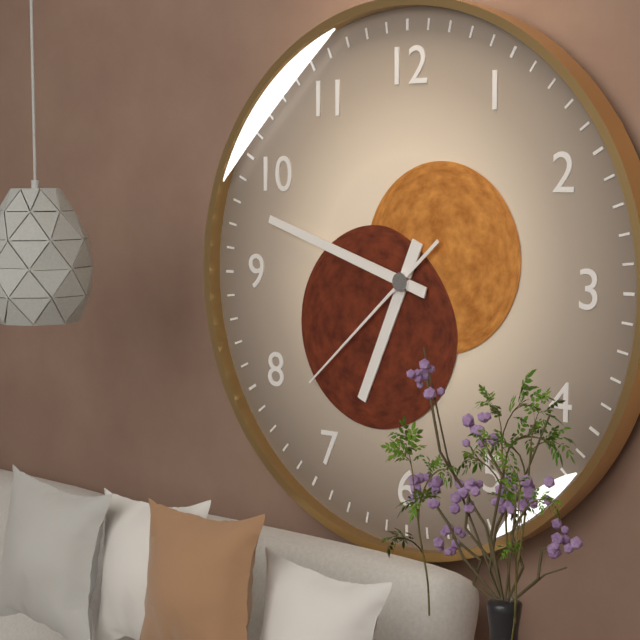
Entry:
6 h 48 min 38 s
